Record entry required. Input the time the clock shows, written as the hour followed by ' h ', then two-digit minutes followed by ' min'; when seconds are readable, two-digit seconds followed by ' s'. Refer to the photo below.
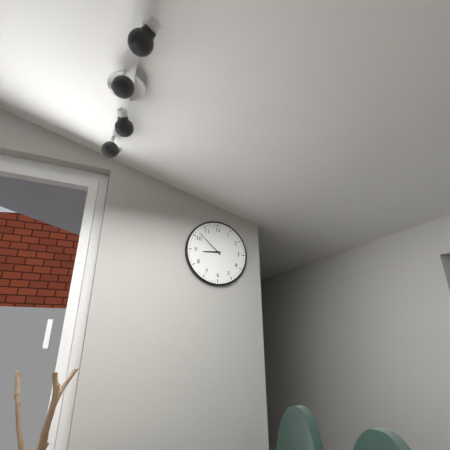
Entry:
8 h 52 min
